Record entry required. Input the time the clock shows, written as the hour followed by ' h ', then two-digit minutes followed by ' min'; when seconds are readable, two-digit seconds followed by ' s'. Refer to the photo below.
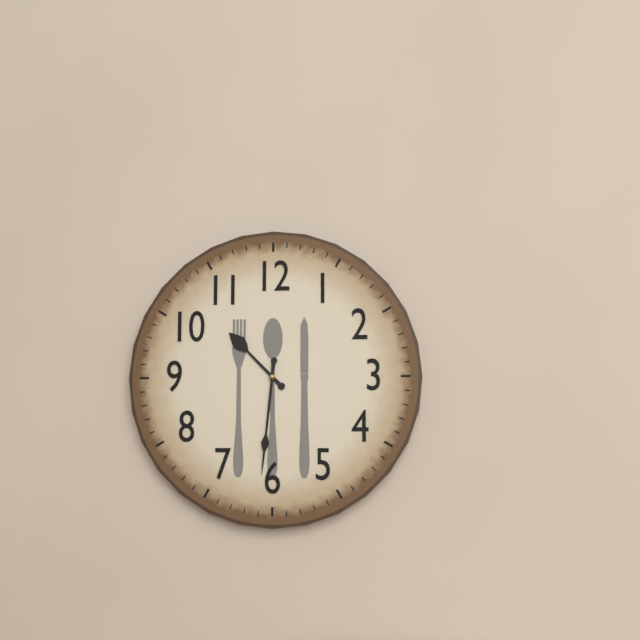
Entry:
10 h 31 min
